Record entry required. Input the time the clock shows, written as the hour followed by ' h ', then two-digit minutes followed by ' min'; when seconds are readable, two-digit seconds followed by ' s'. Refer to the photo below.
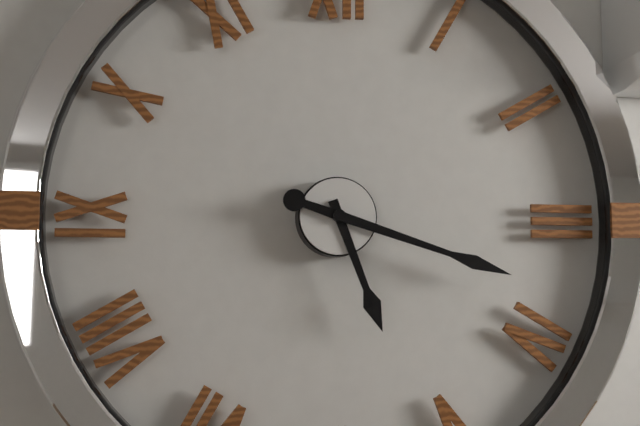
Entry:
5 h 18 min
